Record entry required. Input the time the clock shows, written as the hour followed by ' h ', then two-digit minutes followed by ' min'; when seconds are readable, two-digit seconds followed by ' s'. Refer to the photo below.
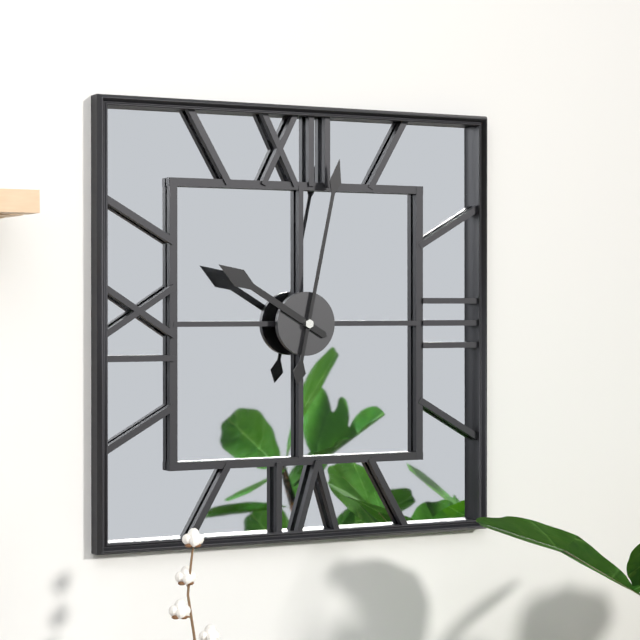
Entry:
10 h 02 min
